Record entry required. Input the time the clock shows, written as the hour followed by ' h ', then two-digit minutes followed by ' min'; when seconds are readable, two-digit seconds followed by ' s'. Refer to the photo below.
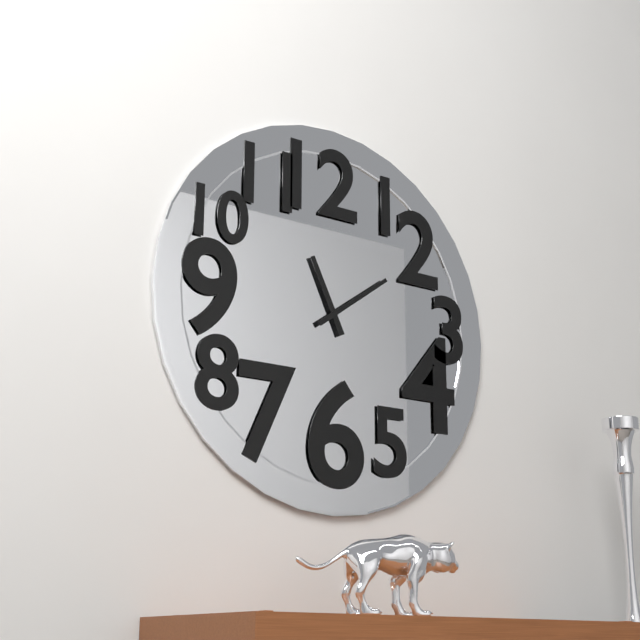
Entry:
11 h 09 min
